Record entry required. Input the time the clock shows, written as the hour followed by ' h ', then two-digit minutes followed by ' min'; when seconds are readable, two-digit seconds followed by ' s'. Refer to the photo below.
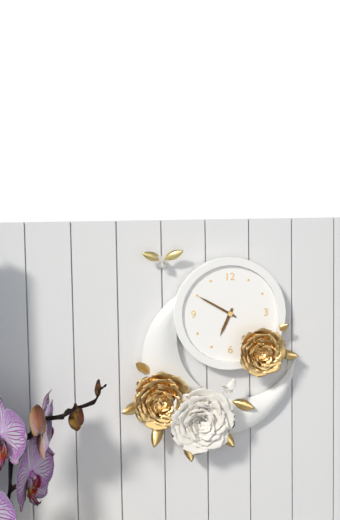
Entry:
6 h 50 min
